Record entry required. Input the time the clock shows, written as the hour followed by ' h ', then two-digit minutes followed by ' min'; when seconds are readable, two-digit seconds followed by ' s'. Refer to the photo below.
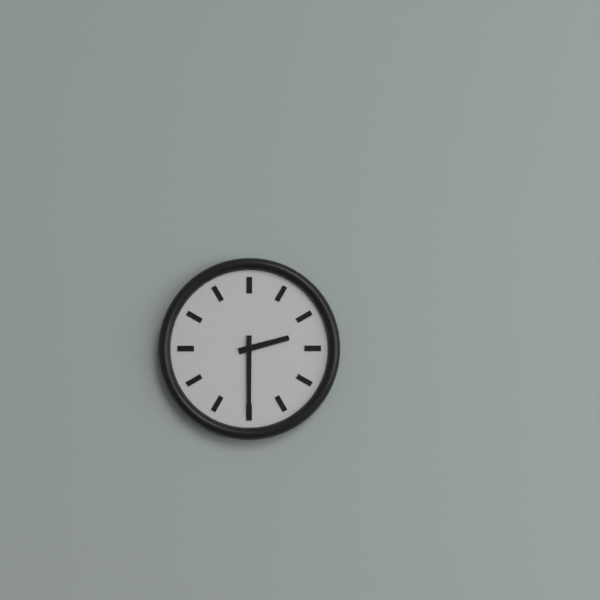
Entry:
2 h 30 min
